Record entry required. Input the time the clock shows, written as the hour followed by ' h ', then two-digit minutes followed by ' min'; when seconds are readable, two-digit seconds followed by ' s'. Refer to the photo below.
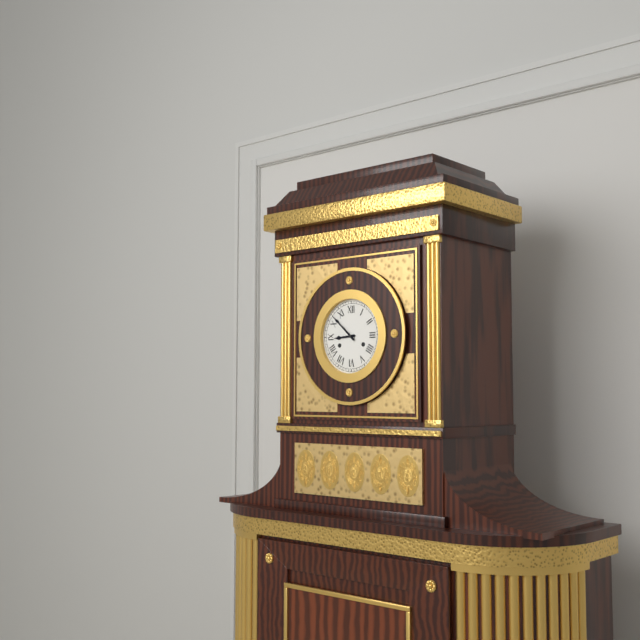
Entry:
8 h 52 min
